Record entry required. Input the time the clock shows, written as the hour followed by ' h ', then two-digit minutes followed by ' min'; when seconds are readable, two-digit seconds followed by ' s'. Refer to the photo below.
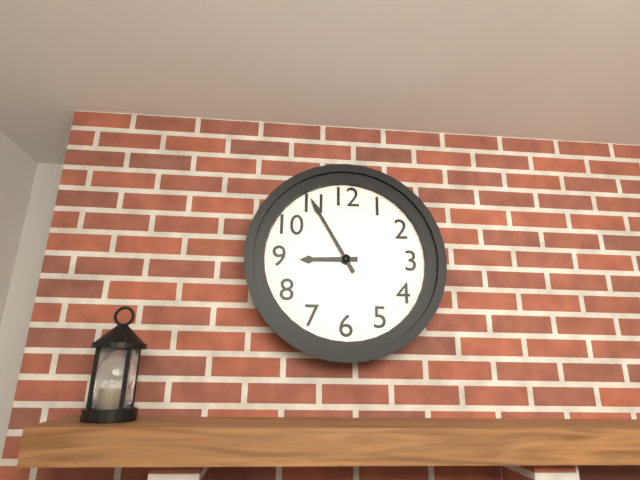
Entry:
8 h 55 min
